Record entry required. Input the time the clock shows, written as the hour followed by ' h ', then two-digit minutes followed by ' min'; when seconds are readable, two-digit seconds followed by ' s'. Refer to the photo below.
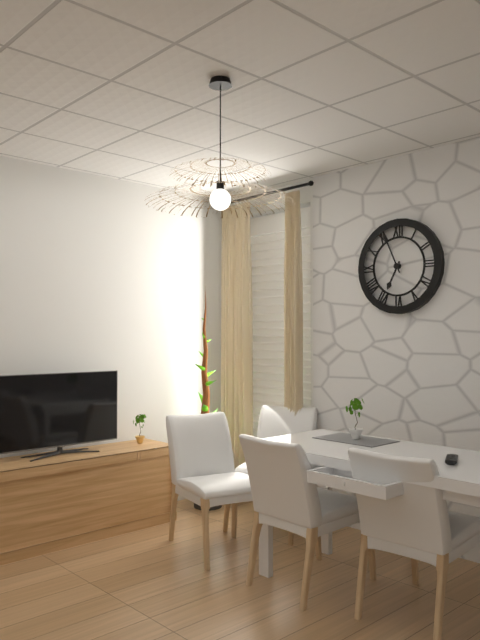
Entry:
6 h 56 min
